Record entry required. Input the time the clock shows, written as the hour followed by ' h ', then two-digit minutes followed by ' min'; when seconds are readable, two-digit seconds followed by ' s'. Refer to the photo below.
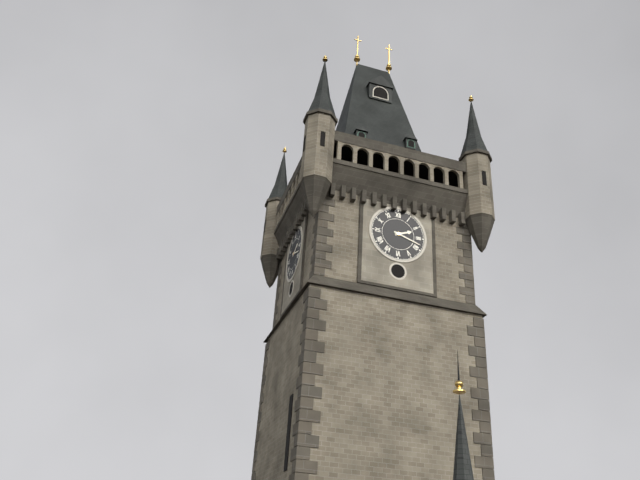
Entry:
2 h 18 min
